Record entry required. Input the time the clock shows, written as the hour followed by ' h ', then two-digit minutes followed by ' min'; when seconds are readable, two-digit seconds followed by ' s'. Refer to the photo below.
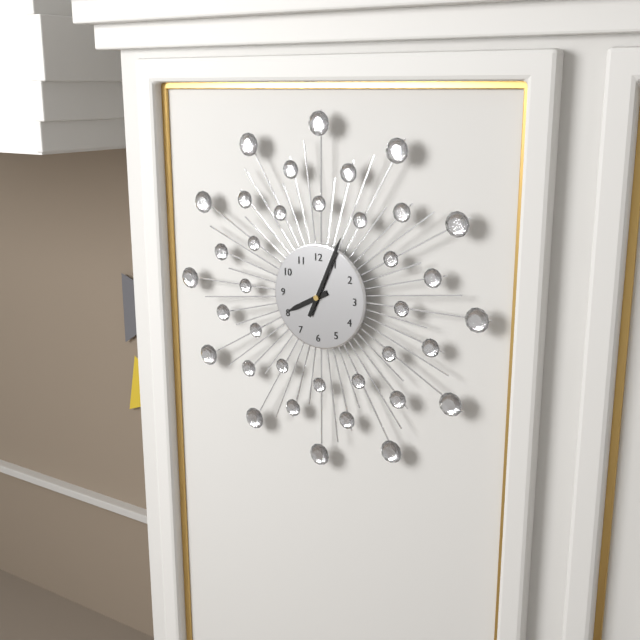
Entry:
8 h 04 min
